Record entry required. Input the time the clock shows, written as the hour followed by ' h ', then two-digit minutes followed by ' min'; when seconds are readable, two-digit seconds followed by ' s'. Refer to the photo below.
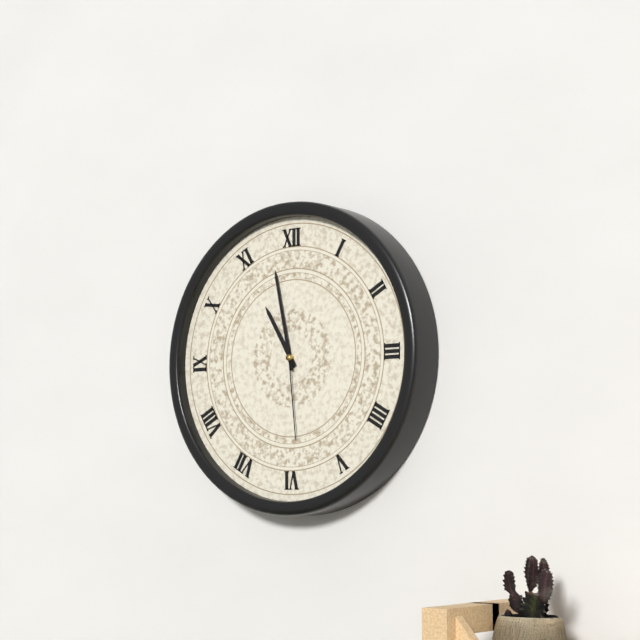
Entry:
10 h 58 min 29 s
